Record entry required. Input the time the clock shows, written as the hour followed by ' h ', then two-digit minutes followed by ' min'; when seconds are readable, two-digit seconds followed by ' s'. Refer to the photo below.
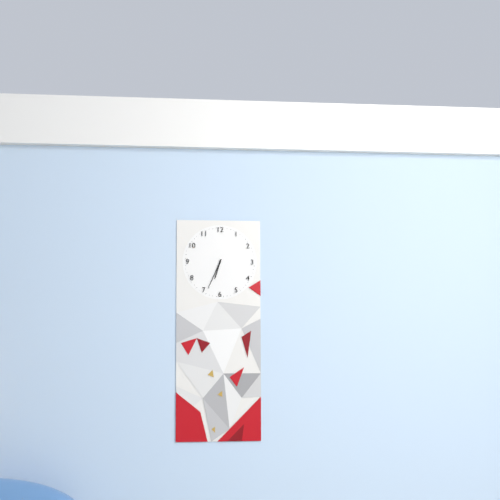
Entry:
6 h 34 min
